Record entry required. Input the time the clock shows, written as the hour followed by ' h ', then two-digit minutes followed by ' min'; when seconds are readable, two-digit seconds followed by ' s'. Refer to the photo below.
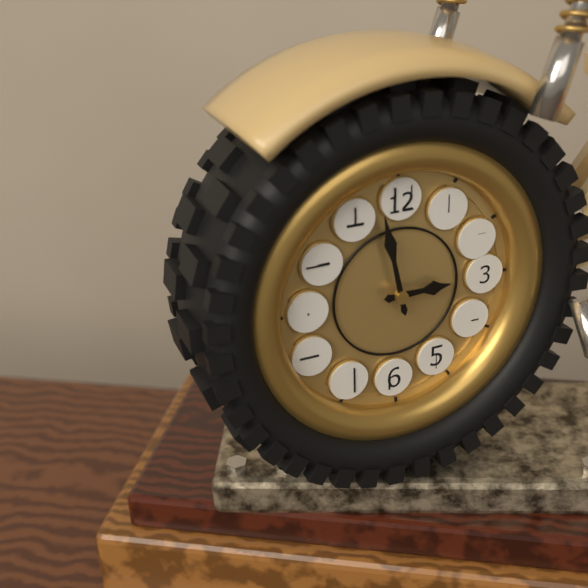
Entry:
2 h 58 min
